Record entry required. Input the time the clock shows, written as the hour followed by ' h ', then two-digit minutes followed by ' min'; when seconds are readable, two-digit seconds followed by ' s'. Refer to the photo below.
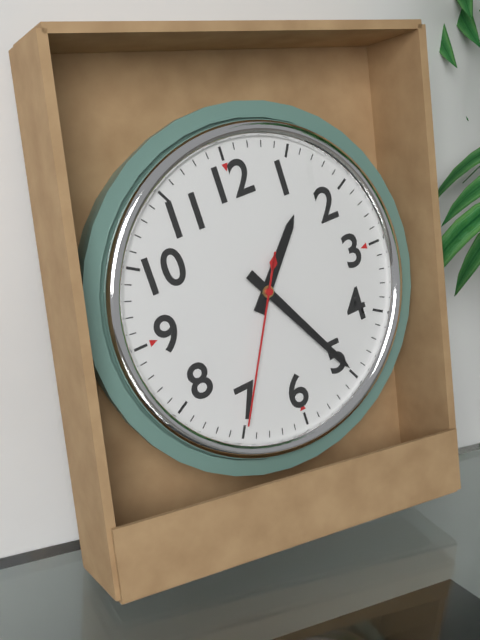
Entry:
1 h 25 min 35 s
